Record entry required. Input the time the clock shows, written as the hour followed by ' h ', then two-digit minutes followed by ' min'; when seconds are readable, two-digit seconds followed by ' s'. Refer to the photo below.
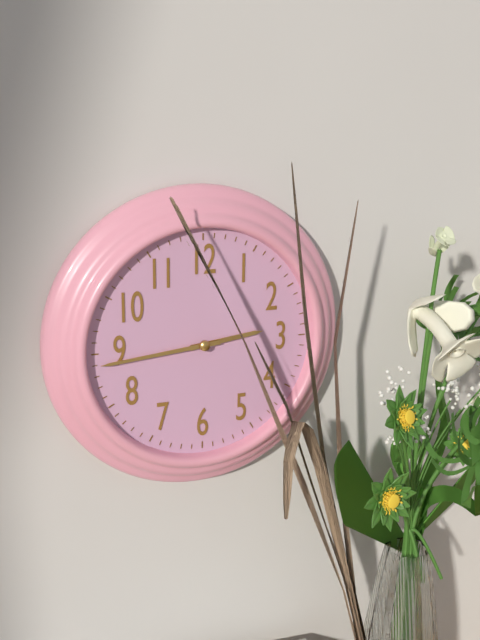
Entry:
2 h 44 min
